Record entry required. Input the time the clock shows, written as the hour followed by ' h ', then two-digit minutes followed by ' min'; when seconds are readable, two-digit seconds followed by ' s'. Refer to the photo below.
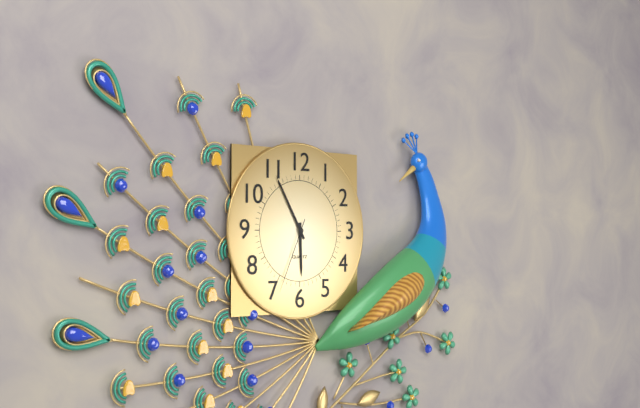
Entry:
5 h 55 min 34 s
